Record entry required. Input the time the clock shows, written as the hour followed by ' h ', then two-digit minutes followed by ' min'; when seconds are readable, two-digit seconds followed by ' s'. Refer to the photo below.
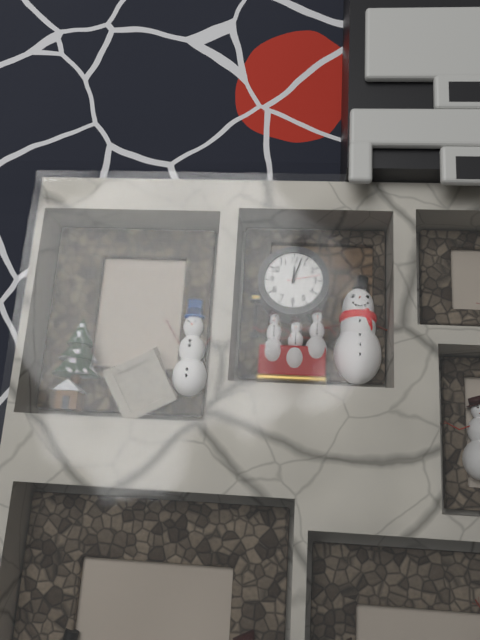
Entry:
12 h 03 min
